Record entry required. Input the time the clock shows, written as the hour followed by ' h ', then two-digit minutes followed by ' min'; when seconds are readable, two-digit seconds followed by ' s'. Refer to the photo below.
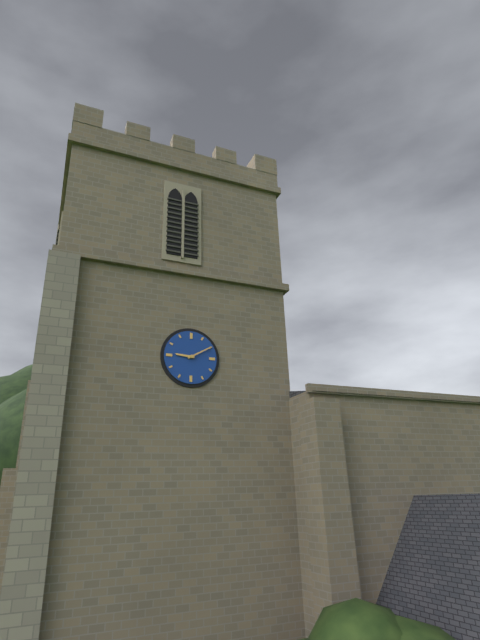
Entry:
9 h 10 min
